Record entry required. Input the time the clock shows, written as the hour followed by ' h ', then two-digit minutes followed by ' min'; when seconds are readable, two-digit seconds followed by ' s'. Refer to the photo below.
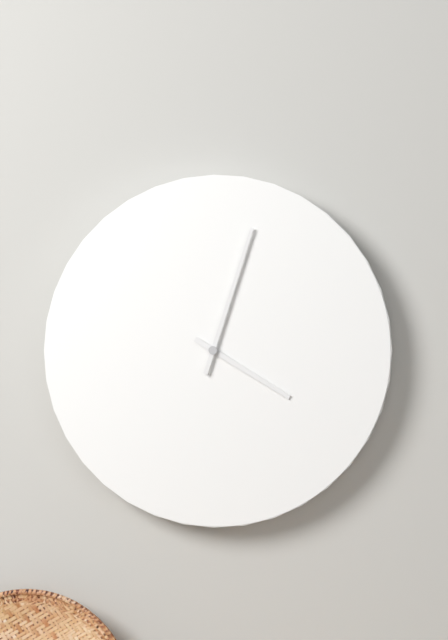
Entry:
4 h 03 min
